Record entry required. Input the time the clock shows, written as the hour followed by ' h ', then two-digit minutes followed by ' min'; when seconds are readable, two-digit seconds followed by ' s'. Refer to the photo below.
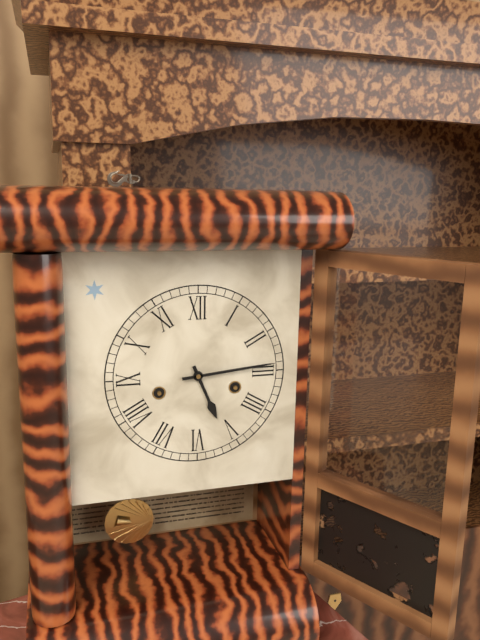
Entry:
5 h 14 min
